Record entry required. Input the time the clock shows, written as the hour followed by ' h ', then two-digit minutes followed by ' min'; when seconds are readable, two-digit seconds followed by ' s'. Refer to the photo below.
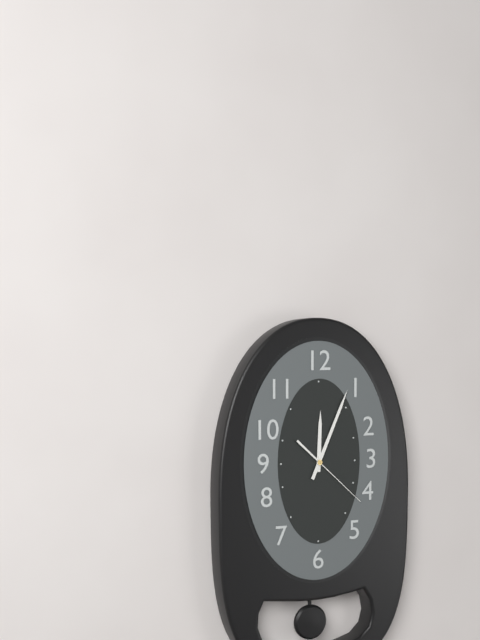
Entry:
12 h 04 min 22 s
